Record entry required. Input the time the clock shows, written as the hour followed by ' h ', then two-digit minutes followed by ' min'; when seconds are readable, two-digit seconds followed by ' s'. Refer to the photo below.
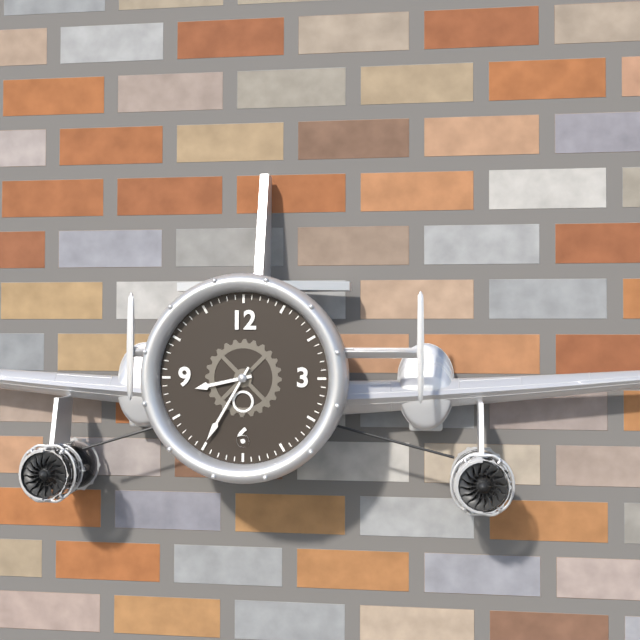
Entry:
8 h 35 min
